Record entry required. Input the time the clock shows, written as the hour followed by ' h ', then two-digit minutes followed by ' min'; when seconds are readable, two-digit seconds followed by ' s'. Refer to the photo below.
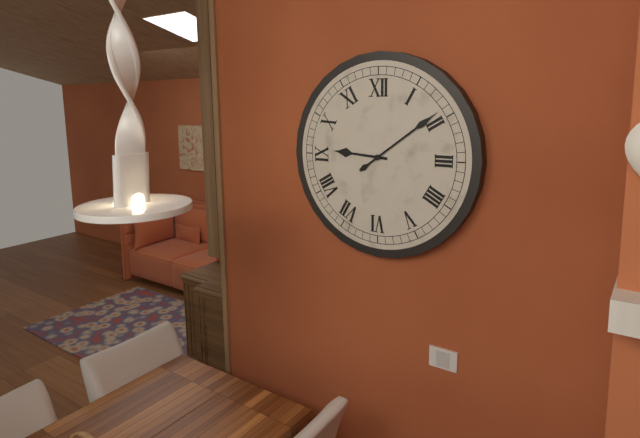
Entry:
9 h 09 min
